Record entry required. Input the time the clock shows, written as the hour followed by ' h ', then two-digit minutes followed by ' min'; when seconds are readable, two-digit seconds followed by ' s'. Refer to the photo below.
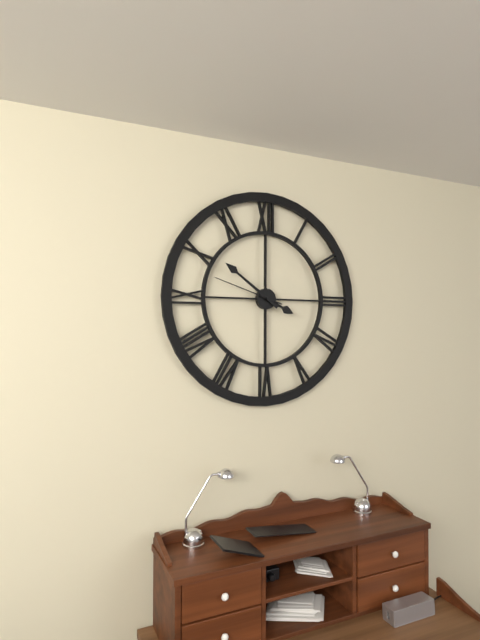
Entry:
3 h 51 min 48 s
